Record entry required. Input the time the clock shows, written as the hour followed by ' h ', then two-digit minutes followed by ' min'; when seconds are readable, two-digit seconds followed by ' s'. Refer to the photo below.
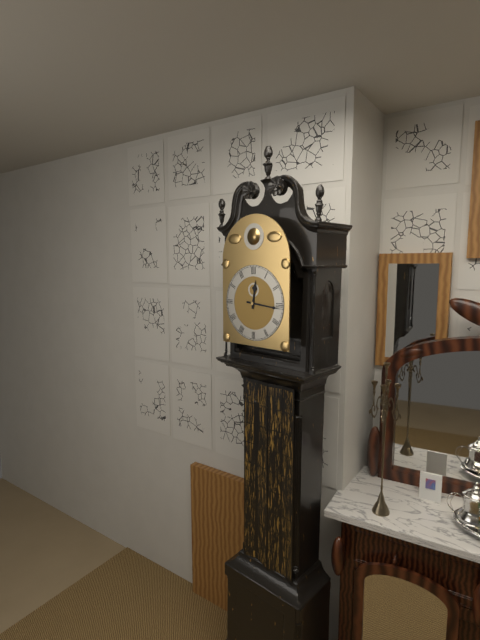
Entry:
12 h 16 min
